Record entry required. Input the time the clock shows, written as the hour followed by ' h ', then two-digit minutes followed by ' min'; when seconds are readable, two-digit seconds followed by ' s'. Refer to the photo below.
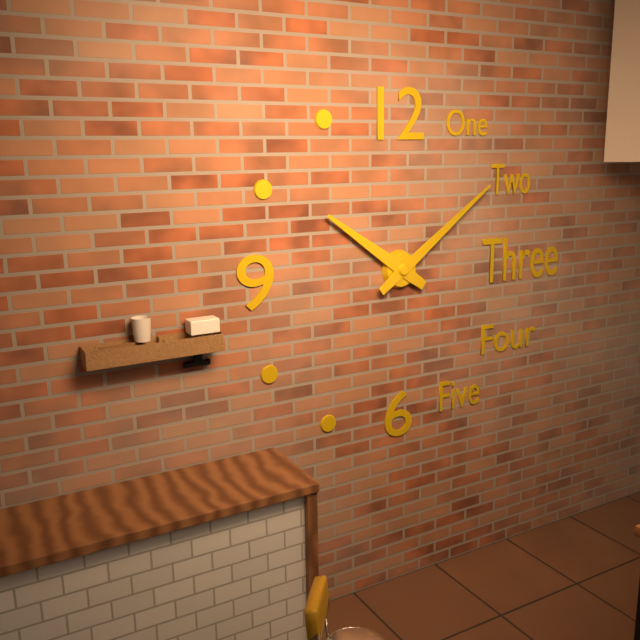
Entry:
10 h 09 min
